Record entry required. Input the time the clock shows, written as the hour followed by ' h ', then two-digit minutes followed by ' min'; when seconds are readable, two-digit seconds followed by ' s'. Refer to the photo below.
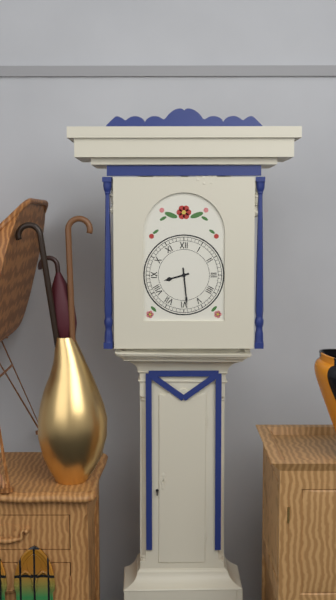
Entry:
8 h 29 min
